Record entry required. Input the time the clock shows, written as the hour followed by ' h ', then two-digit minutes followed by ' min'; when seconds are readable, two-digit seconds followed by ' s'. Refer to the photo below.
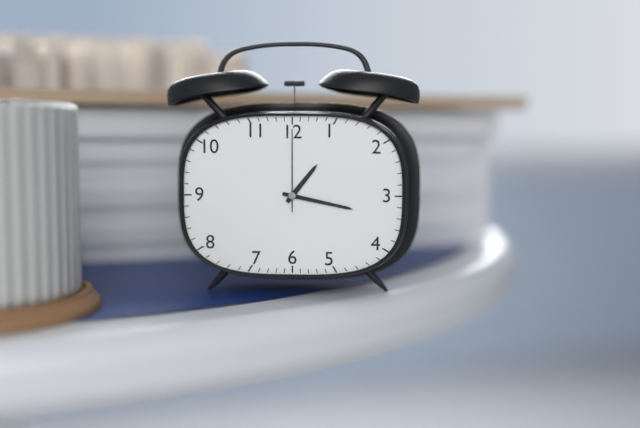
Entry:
1 h 17 min 00 s
